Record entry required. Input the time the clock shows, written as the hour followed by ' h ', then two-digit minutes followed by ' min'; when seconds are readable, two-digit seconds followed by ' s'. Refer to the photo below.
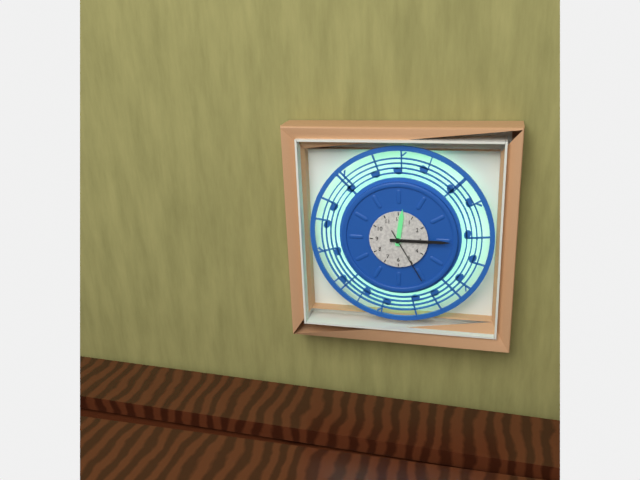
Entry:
12 h 15 min 25 s
